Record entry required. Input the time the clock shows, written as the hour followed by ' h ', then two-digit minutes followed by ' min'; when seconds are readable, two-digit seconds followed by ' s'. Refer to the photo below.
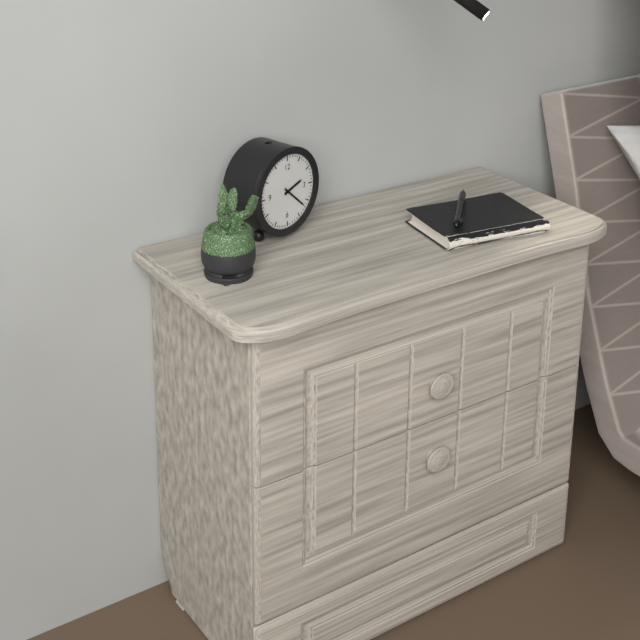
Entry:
2 h 22 min
